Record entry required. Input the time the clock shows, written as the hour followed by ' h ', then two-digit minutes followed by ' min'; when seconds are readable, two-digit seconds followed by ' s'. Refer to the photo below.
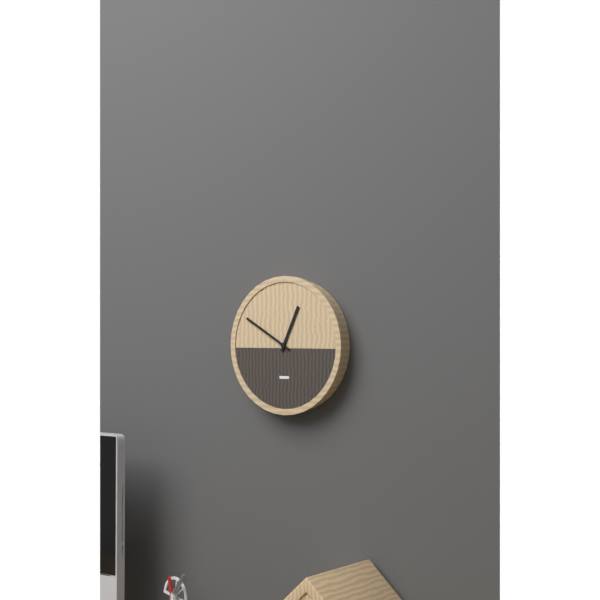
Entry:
12 h 50 min
